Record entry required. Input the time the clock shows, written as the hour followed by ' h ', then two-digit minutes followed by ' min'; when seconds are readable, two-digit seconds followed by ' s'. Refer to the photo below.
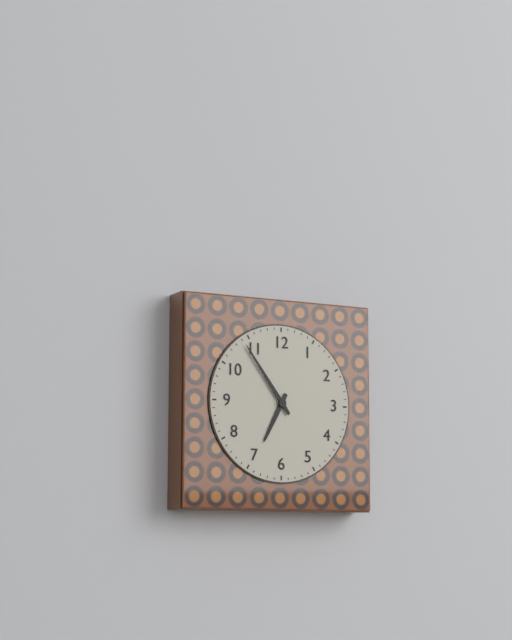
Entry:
6 h 54 min
